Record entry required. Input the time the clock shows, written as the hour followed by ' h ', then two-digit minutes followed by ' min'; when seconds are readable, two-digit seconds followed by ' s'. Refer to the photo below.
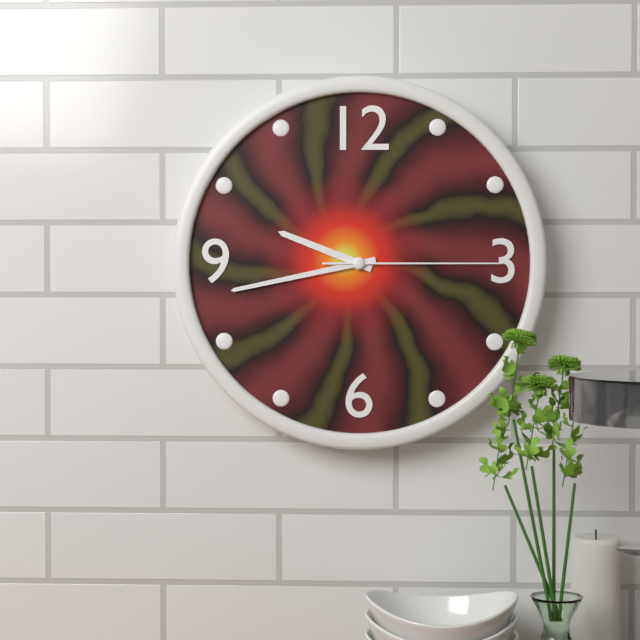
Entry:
9 h 43 min 15 s
